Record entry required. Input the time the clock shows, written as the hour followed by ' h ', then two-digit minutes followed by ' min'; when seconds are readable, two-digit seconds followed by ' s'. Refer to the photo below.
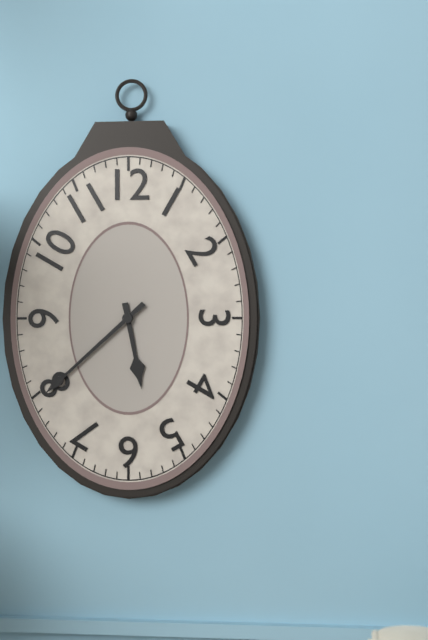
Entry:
5 h 38 min
